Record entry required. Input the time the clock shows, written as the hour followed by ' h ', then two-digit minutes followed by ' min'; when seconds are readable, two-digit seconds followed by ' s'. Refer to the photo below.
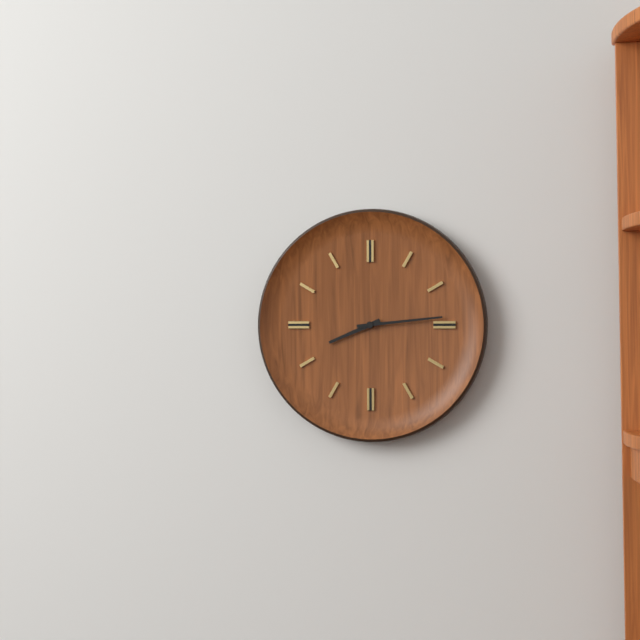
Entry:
8 h 14 min
